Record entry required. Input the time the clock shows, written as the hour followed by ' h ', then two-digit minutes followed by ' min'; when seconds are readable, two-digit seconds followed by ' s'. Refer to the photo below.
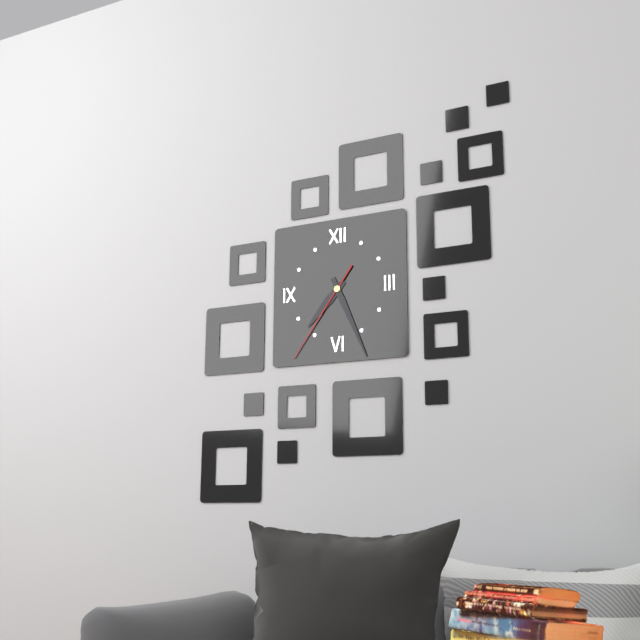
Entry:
7 h 26 min 36 s
